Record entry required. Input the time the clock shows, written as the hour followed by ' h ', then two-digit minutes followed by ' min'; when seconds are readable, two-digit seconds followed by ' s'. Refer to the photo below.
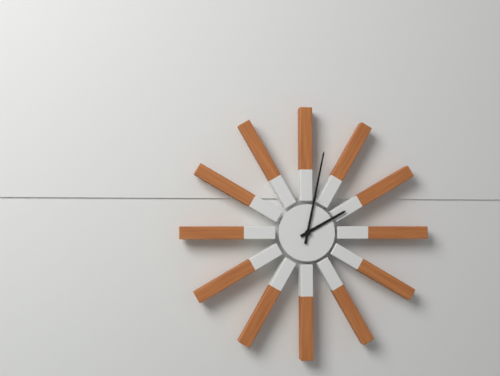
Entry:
2 h 02 min
